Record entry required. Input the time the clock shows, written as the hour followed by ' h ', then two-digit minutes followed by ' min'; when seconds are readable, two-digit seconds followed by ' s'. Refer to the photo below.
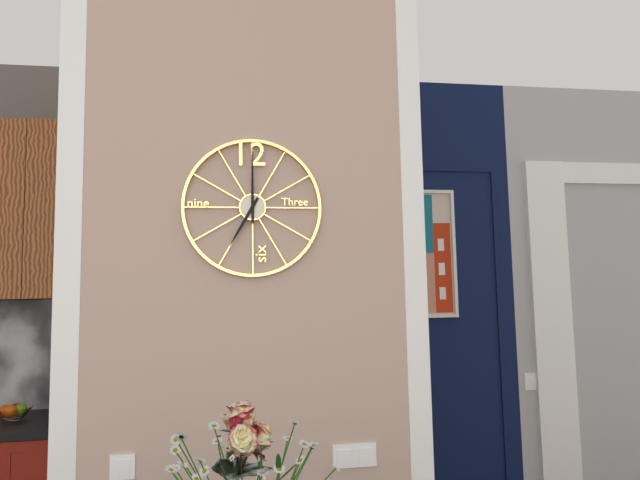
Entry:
7 h 00 min
